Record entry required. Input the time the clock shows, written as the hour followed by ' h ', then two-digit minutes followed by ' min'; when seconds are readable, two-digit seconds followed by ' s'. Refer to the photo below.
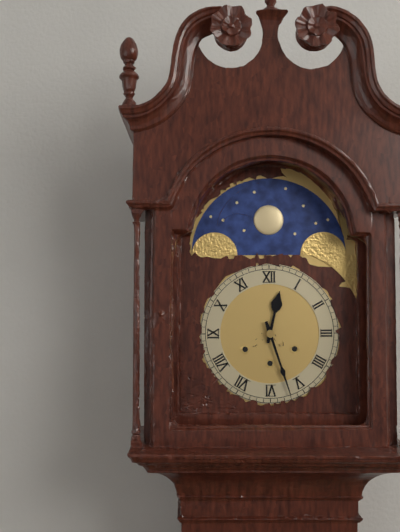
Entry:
12 h 27 min
